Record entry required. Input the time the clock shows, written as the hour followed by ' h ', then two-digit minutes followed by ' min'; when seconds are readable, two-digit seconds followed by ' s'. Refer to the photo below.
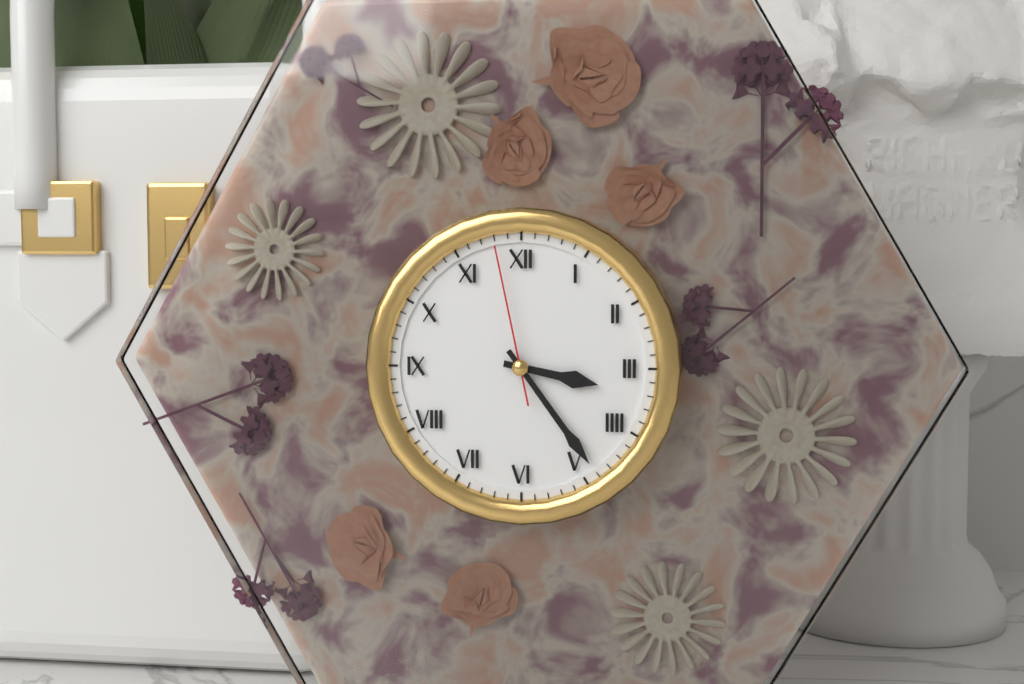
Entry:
3 h 24 min 58 s
